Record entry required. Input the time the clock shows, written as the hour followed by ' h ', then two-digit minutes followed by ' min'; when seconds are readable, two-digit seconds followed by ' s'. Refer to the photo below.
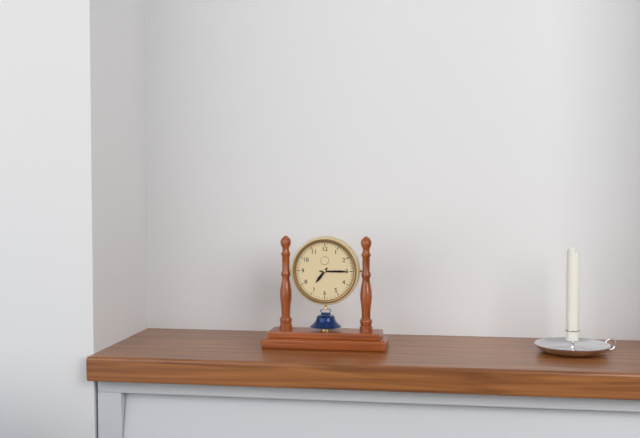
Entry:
7 h 15 min
